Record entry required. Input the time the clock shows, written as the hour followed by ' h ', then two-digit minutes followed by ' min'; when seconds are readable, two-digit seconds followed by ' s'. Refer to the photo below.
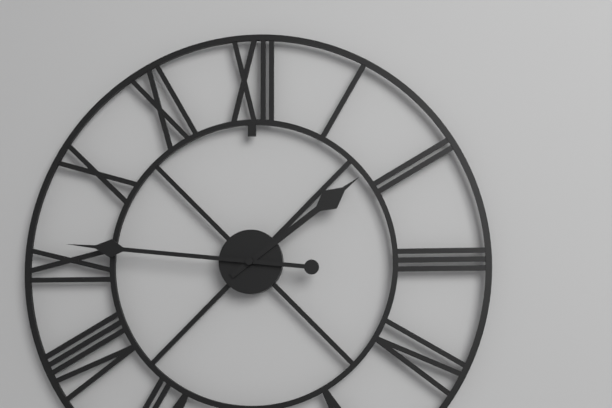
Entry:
1 h 46 min
